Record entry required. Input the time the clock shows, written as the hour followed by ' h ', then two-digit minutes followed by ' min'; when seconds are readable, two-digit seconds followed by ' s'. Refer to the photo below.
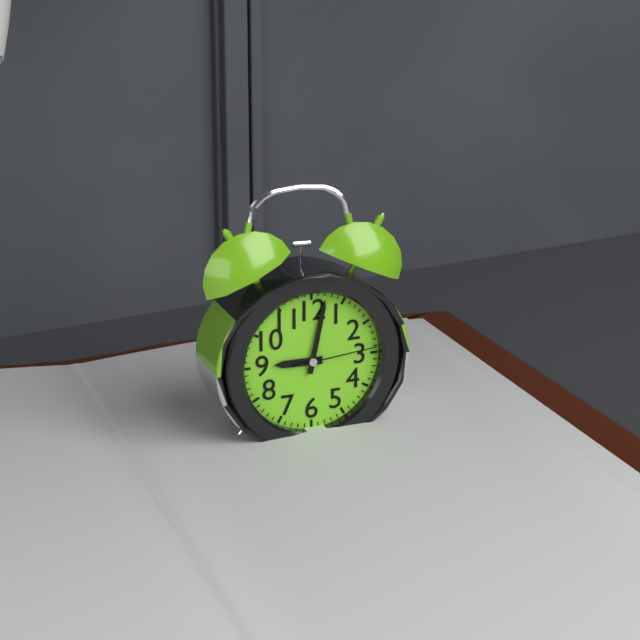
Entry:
9 h 02 min 14 s
